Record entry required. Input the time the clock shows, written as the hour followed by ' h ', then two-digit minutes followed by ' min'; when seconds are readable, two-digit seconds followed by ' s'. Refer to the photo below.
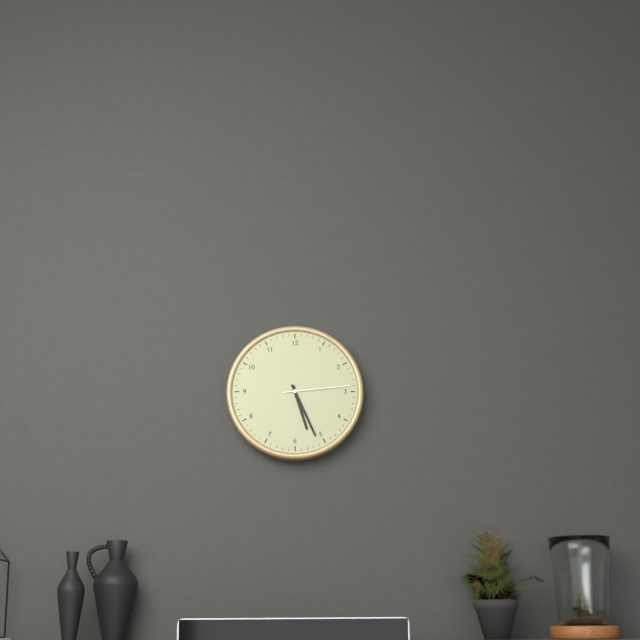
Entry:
5 h 26 min 14 s
